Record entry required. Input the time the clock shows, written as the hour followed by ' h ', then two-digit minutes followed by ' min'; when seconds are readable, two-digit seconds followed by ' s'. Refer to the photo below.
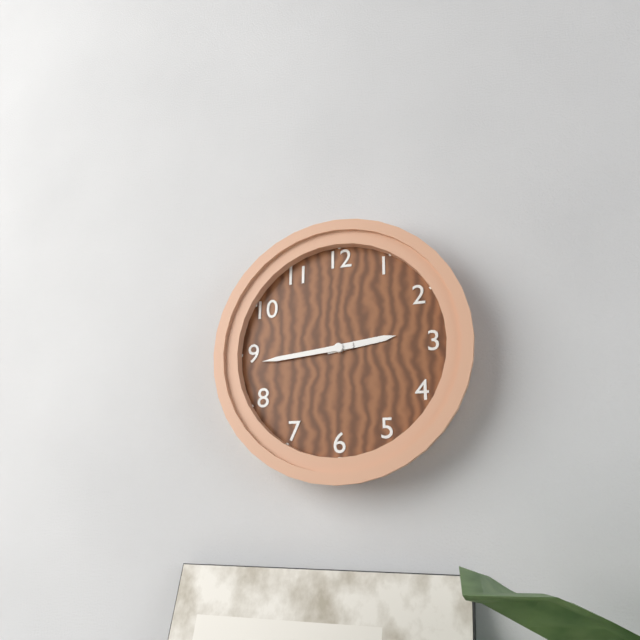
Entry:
2 h 44 min
